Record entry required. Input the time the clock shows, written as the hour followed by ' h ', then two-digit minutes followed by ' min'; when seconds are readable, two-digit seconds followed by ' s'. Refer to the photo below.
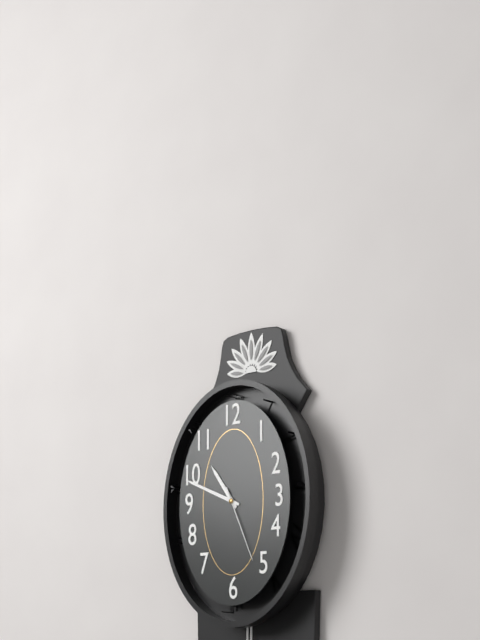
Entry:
10 h 49 min 26 s
